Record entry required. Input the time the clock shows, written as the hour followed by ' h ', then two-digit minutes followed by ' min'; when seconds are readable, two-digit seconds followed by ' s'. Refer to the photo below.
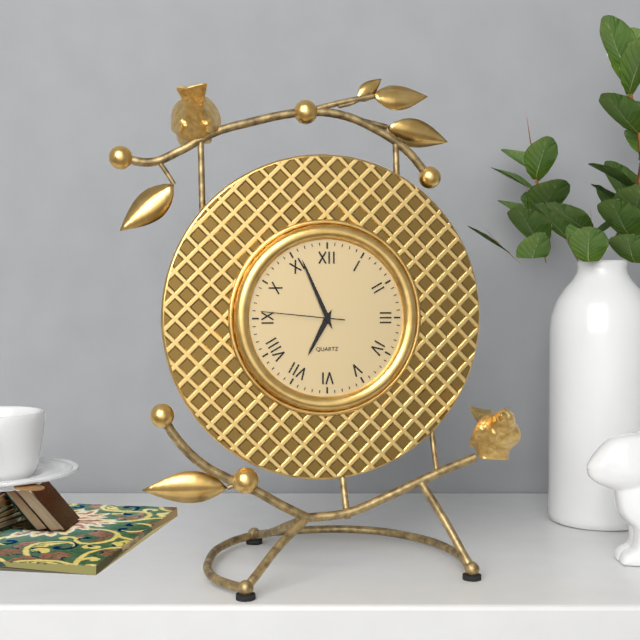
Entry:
6 h 56 min 46 s
